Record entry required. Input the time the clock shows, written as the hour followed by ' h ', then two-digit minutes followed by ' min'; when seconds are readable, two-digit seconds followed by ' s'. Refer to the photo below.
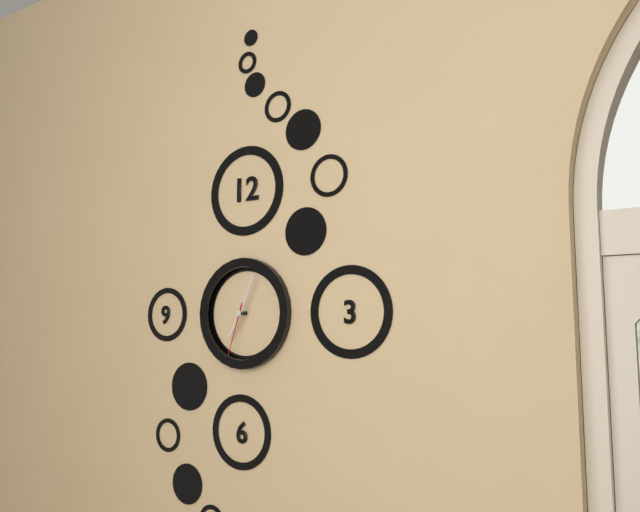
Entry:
7 h 04 min 33 s
